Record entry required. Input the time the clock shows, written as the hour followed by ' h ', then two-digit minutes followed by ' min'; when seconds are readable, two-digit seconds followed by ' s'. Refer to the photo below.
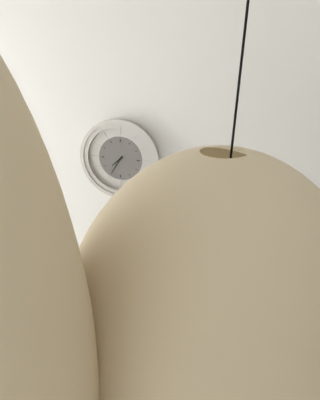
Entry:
7 h 35 min
